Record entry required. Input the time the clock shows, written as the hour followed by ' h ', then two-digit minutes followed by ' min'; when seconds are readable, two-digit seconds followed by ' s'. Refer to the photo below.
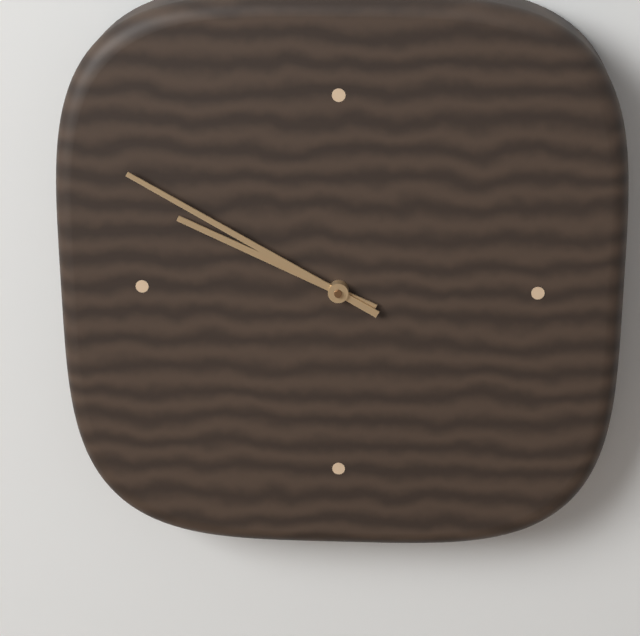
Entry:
9 h 50 min
